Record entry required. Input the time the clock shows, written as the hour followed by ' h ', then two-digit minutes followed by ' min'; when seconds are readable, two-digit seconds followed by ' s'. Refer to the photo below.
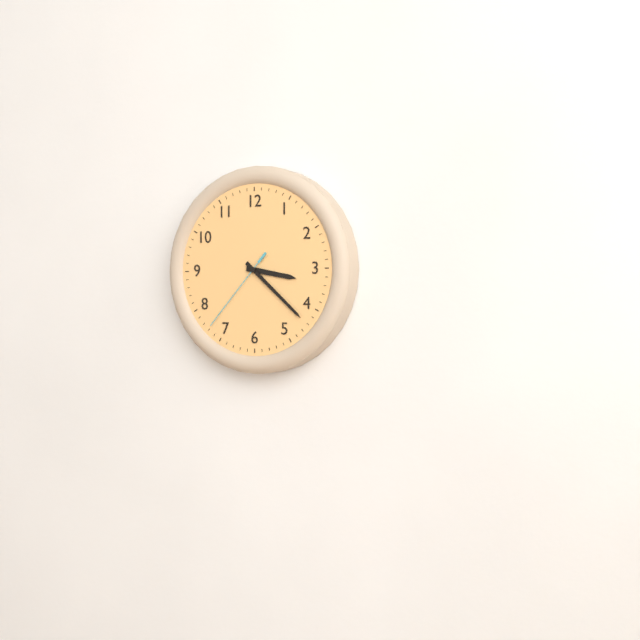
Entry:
3 h 22 min 37 s
